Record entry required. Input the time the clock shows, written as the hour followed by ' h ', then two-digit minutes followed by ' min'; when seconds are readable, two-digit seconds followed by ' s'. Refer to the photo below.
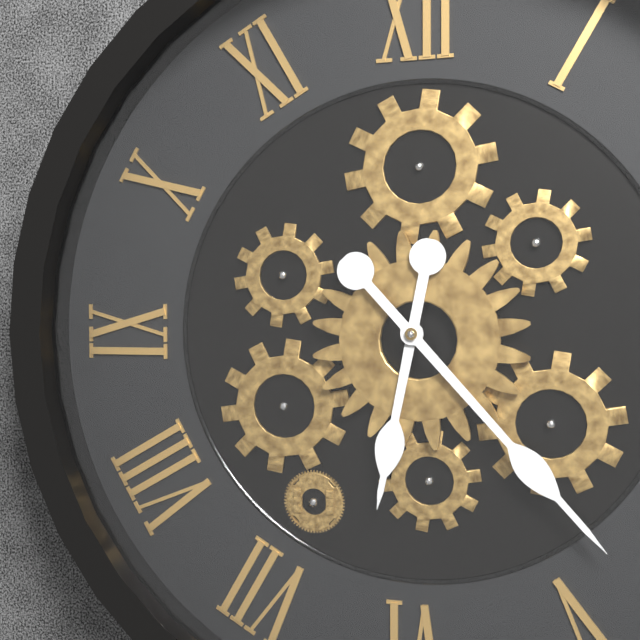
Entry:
6 h 23 min
